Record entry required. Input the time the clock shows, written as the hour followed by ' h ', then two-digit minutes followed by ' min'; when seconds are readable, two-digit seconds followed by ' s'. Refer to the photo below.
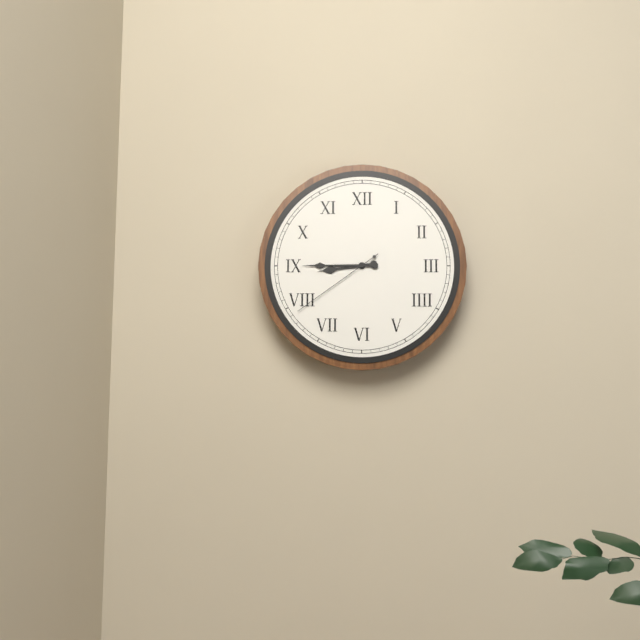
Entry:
8 h 45 min 39 s
